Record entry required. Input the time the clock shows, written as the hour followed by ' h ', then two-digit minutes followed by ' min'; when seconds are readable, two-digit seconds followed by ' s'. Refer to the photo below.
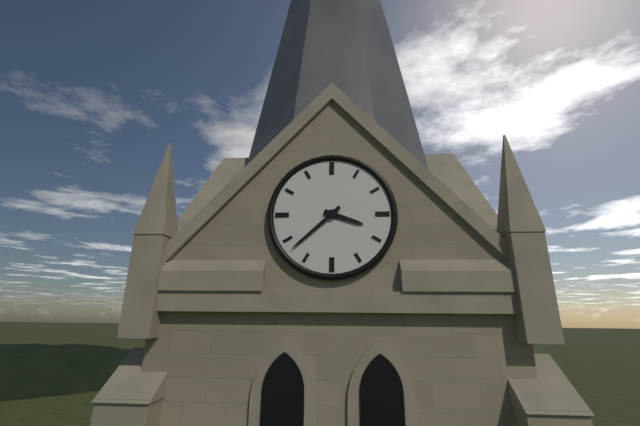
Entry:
3 h 38 min
